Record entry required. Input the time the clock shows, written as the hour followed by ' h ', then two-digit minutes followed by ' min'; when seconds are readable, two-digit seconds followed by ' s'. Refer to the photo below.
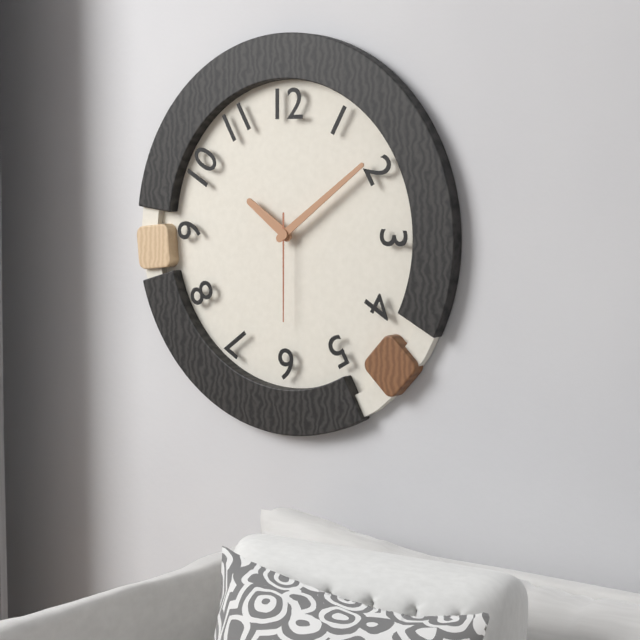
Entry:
10 h 09 min 30 s
